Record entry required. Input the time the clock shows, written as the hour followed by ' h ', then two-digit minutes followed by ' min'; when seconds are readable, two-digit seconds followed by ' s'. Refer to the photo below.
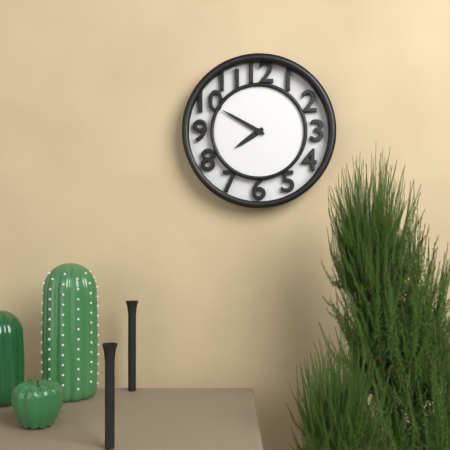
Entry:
7 h 50 min
